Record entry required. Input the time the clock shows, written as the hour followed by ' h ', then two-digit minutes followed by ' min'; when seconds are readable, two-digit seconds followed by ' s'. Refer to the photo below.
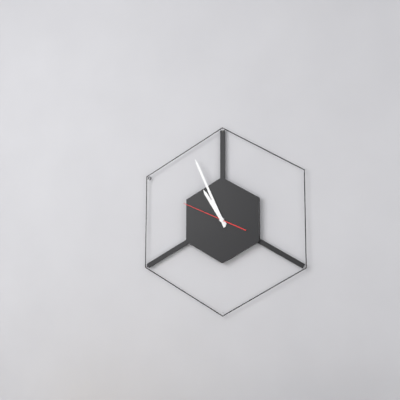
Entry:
10 h 56 min 49 s
